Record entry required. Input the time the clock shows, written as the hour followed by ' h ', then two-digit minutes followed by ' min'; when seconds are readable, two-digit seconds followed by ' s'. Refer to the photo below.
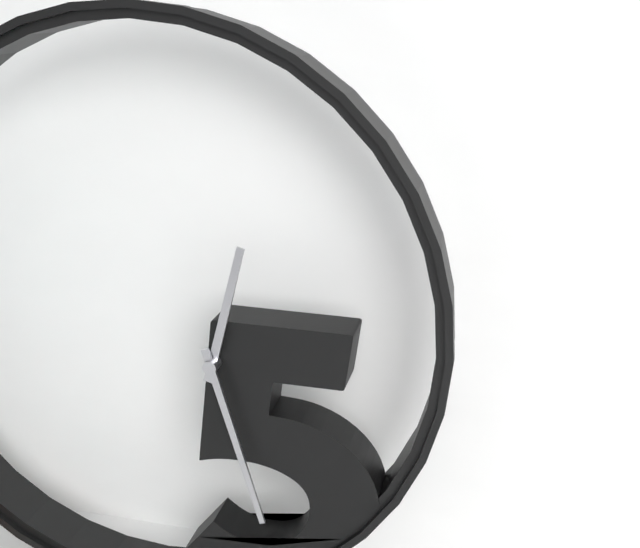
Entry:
12 h 27 min
